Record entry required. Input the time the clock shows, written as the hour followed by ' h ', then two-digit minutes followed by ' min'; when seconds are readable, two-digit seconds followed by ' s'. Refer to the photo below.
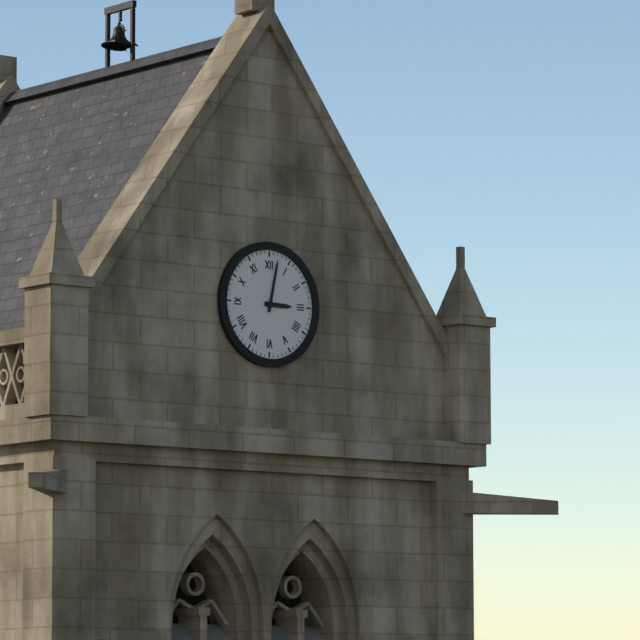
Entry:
3 h 02 min
